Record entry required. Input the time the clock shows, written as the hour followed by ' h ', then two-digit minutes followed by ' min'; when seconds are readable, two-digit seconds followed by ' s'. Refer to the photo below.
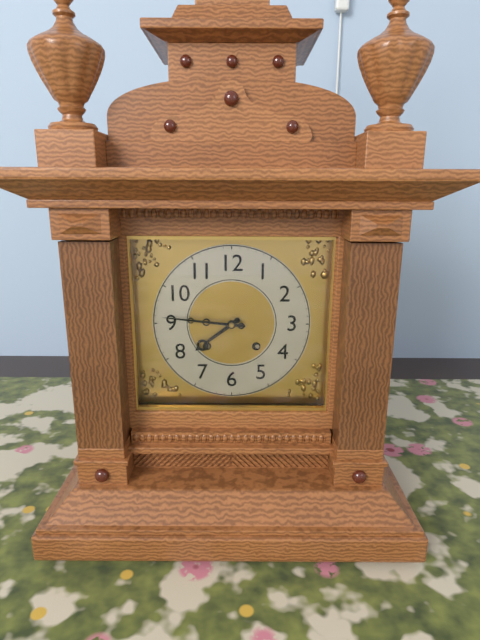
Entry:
7 h 46 min
